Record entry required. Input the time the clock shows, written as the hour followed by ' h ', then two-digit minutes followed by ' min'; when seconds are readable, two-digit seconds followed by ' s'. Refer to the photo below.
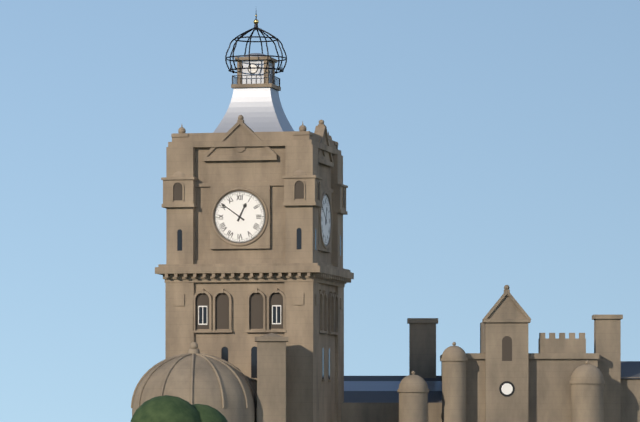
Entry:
12 h 51 min
